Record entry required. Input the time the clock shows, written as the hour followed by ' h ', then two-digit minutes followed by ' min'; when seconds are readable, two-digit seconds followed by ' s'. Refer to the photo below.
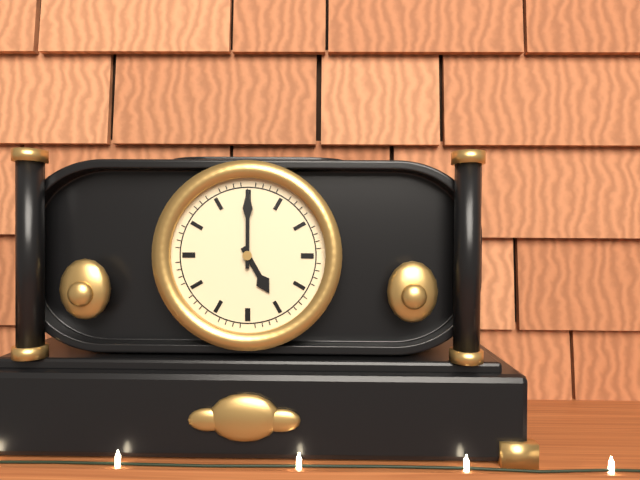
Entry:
5 h 00 min
